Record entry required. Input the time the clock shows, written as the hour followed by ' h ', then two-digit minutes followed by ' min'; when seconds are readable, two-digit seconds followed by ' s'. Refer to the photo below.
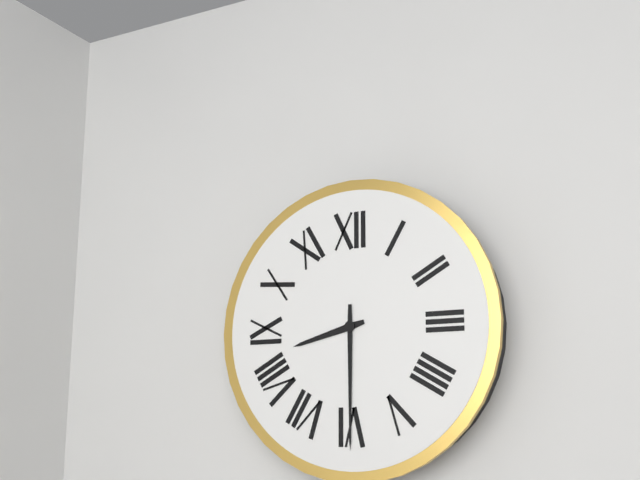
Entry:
8 h 30 min
